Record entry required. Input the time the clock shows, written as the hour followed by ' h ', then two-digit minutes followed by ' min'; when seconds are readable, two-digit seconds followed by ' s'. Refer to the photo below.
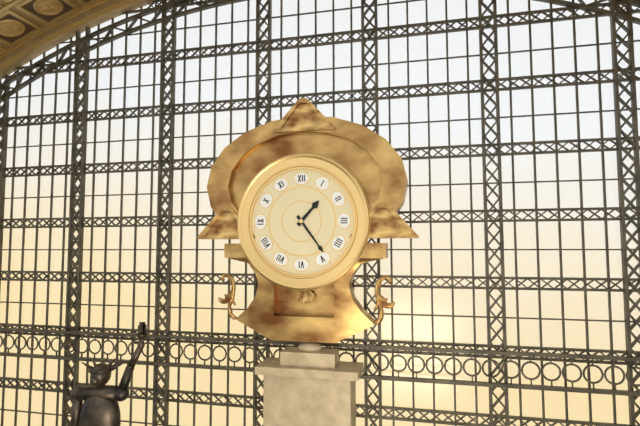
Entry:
1 h 24 min
